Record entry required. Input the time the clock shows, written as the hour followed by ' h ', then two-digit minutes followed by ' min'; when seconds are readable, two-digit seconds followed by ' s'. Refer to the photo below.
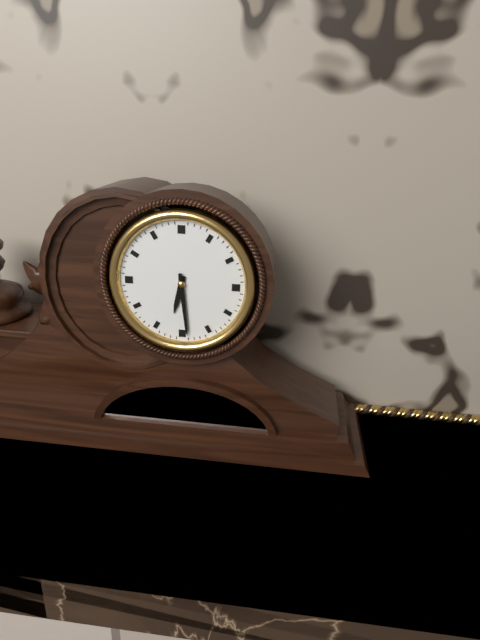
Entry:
6 h 29 min
